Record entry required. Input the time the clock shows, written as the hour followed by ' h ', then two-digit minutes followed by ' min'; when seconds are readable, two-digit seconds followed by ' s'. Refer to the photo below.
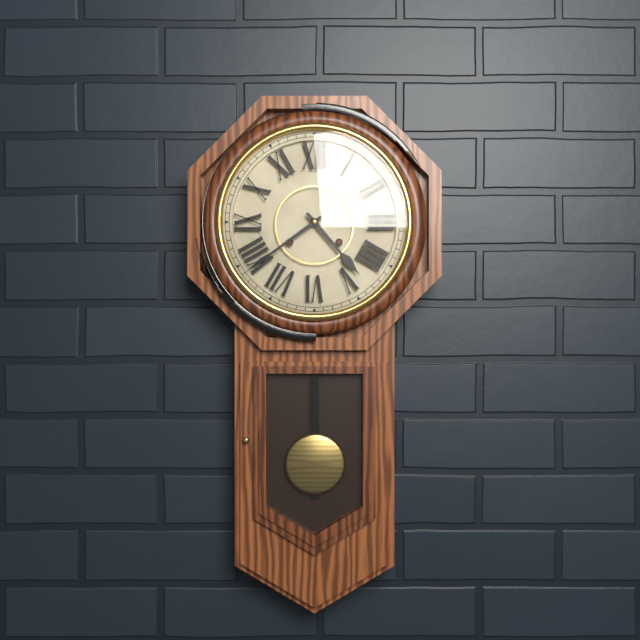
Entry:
4 h 39 min
